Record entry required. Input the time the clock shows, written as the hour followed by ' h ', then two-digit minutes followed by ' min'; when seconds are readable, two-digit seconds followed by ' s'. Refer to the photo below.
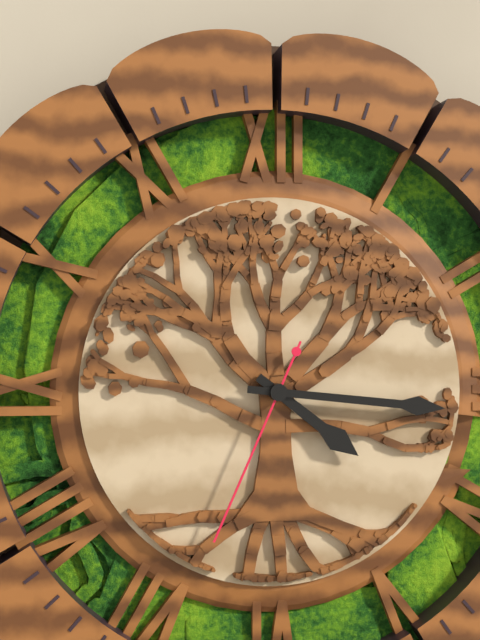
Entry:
4 h 16 min 34 s
